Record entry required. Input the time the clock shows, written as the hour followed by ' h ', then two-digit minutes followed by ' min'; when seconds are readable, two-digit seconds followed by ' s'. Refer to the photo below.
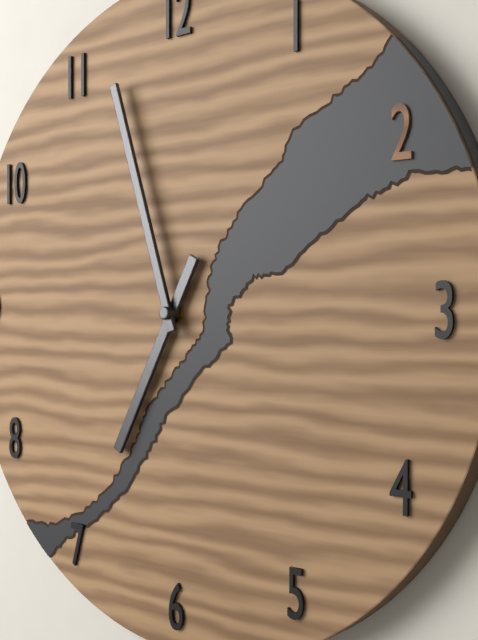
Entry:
6 h 57 min
